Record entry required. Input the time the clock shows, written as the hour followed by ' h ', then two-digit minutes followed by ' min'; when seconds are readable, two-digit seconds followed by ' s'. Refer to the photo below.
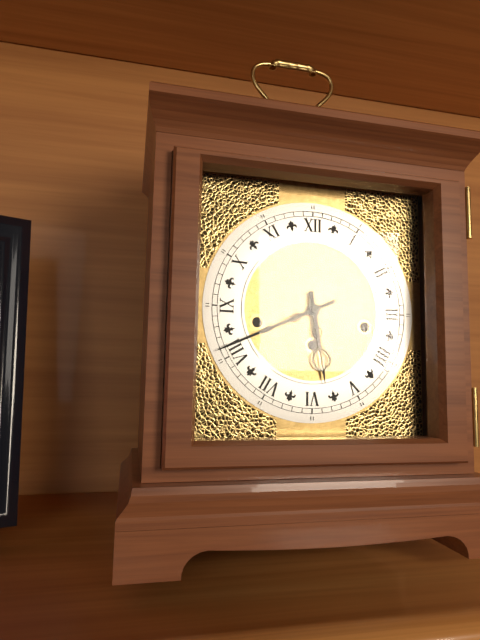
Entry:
5 h 41 min
